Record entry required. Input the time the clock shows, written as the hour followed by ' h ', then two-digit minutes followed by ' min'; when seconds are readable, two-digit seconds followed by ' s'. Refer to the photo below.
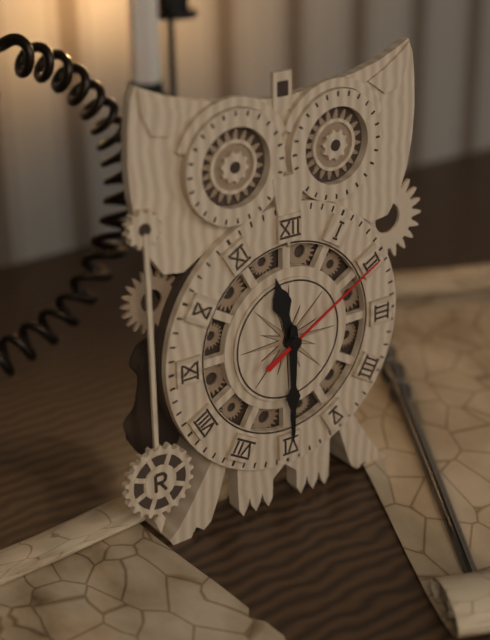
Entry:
11 h 30 min 10 s
